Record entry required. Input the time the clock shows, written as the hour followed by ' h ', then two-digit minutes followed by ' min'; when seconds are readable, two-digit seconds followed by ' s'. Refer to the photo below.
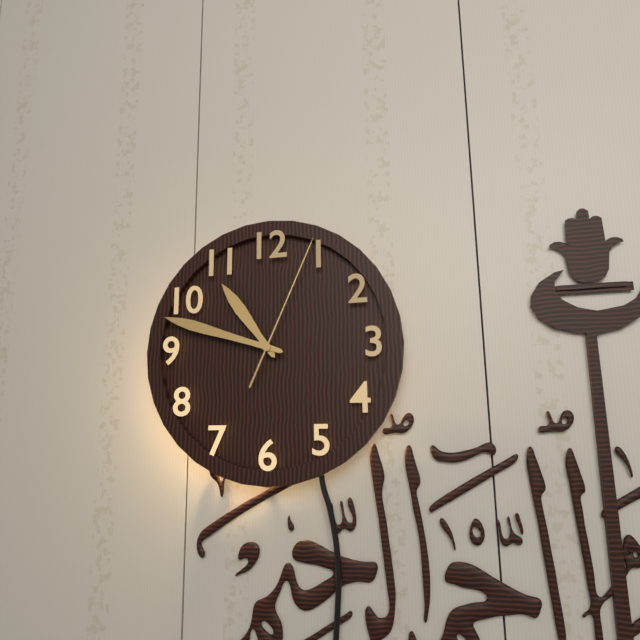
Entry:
10 h 48 min 04 s
